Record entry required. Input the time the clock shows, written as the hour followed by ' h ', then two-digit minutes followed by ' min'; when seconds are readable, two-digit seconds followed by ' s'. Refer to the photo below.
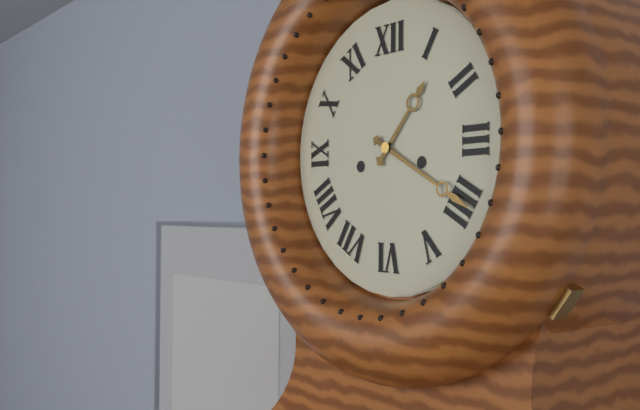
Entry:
1 h 20 min
